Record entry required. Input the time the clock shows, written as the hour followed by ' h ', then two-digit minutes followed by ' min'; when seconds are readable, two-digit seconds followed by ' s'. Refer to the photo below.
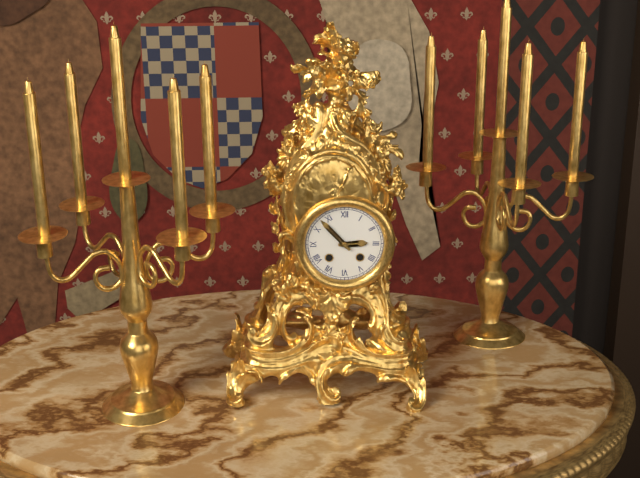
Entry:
2 h 53 min
